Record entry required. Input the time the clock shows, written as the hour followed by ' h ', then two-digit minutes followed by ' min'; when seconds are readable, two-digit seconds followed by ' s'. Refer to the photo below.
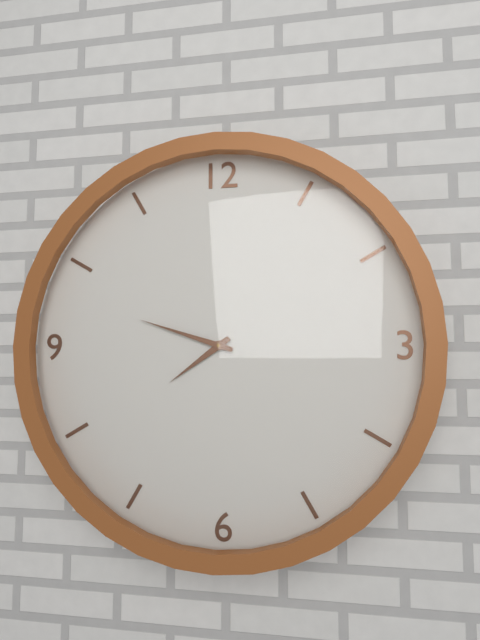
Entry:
7 h 48 min
